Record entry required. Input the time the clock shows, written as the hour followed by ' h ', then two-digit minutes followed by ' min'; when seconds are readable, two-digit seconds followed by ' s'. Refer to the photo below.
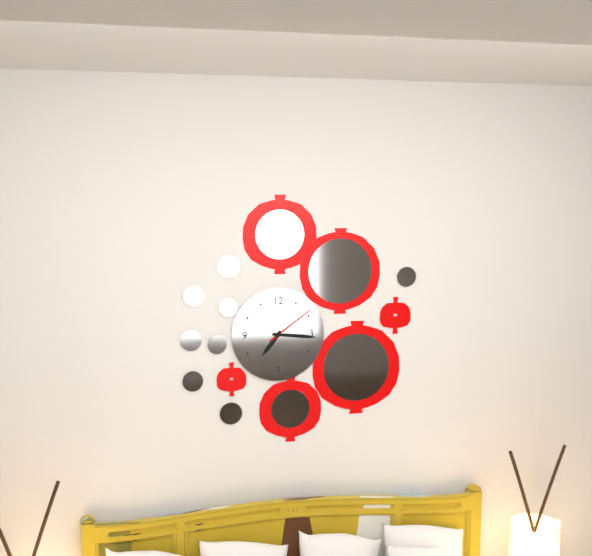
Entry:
7 h 16 min 09 s
